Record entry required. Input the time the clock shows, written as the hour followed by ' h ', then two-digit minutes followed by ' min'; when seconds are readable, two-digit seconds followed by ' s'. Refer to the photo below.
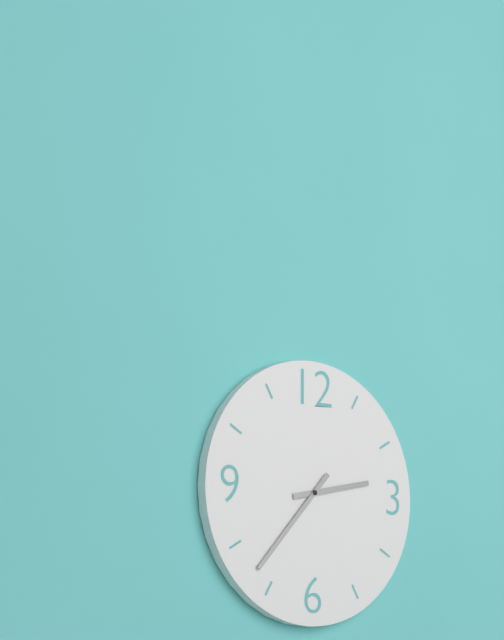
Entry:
2 h 37 min
